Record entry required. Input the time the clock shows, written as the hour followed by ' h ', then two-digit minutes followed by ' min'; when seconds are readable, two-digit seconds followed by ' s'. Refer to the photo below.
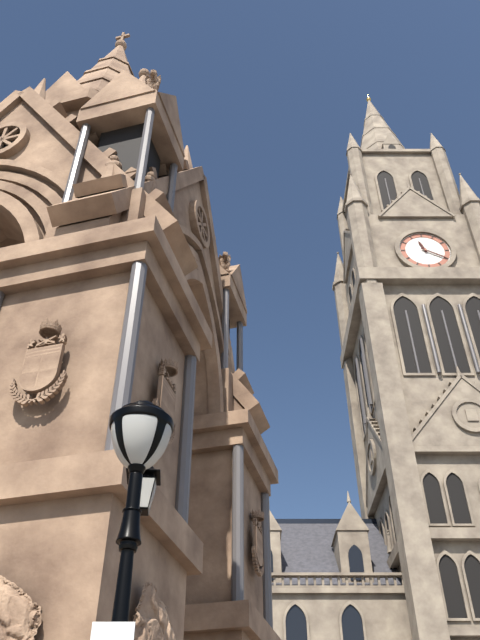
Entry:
11 h 20 min
